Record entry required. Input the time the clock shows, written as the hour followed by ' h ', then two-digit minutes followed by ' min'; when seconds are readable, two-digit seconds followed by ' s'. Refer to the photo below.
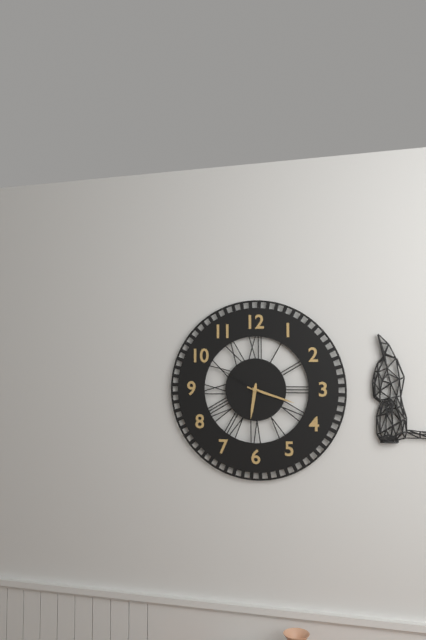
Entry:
6 h 18 min
